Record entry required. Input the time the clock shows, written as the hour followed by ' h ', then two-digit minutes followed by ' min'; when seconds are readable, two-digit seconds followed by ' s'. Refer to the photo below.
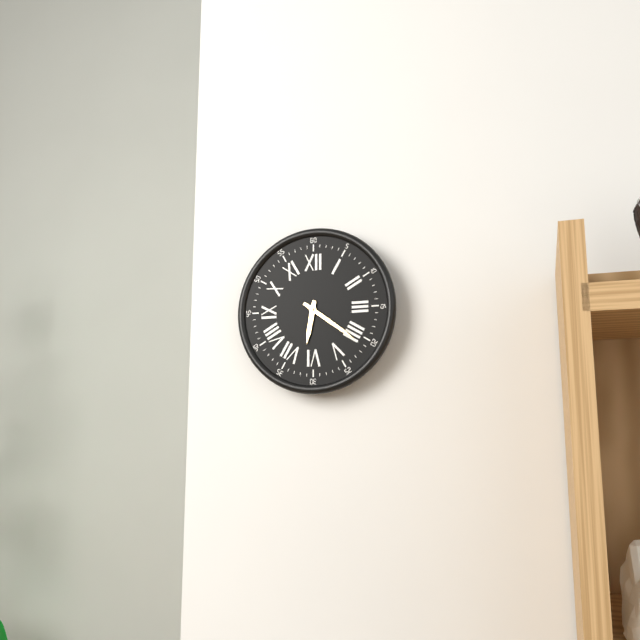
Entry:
6 h 21 min
